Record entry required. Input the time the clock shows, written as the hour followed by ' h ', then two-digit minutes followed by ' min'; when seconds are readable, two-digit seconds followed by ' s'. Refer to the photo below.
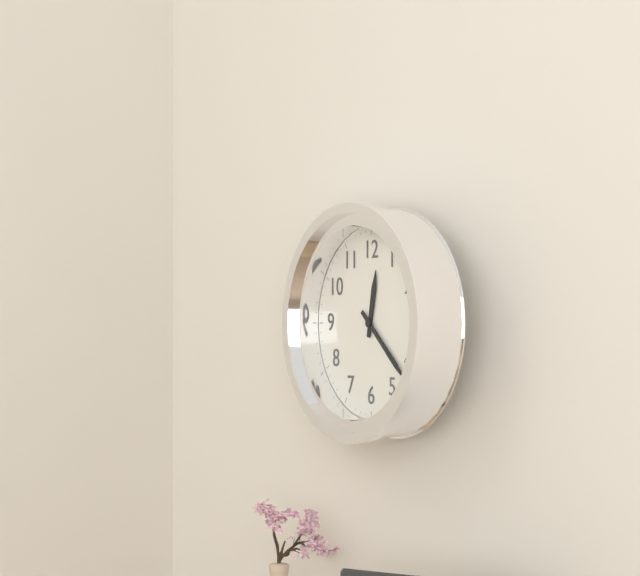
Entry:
12 h 22 min
